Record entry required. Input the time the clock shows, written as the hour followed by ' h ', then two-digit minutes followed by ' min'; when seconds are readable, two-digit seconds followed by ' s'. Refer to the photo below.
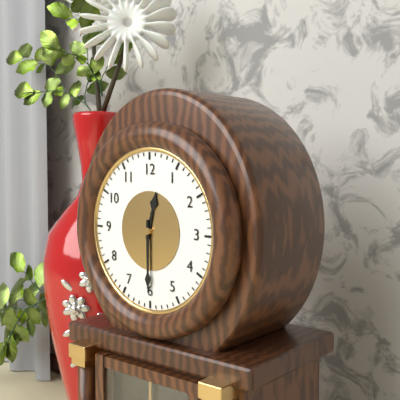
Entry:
12 h 30 min
